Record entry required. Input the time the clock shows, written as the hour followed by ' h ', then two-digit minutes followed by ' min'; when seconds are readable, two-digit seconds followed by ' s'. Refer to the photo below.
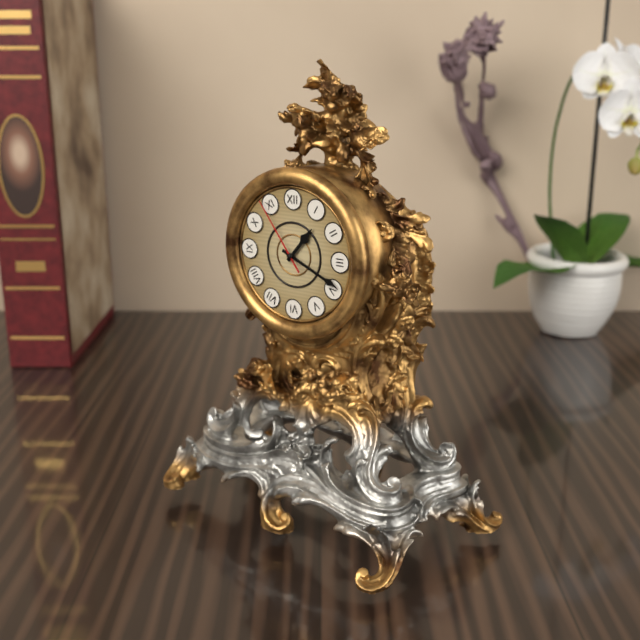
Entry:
1 h 19 min 54 s
